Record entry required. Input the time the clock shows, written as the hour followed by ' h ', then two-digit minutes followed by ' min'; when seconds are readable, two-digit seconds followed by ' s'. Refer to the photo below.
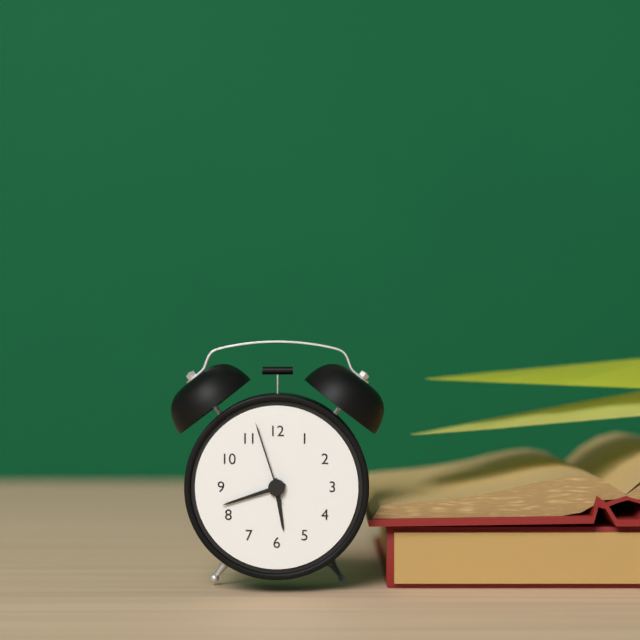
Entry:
5 h 42 min 57 s
